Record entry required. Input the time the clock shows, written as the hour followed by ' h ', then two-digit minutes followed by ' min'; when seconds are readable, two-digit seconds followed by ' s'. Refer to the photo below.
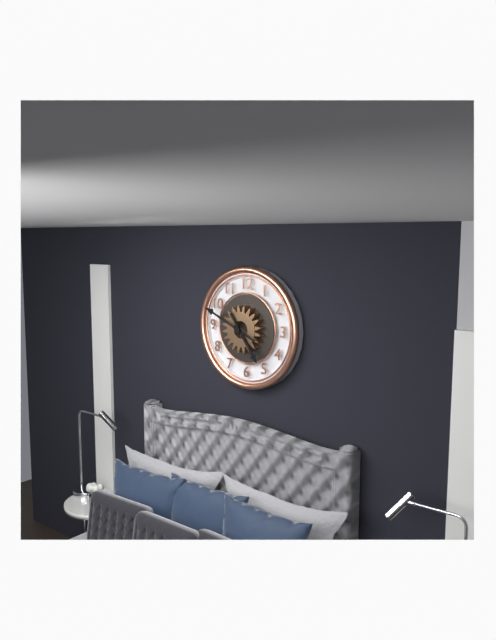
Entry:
4 h 49 min
